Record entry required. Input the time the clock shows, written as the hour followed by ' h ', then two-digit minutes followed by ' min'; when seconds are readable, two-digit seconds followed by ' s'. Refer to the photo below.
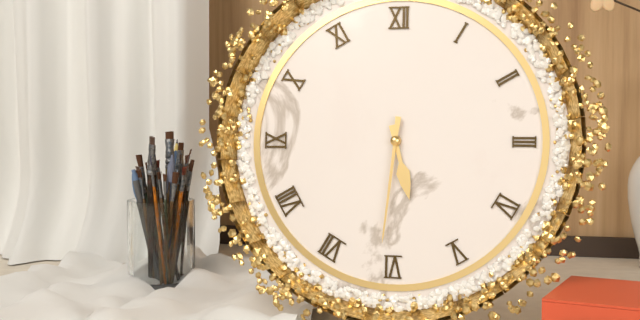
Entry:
5 h 31 min
